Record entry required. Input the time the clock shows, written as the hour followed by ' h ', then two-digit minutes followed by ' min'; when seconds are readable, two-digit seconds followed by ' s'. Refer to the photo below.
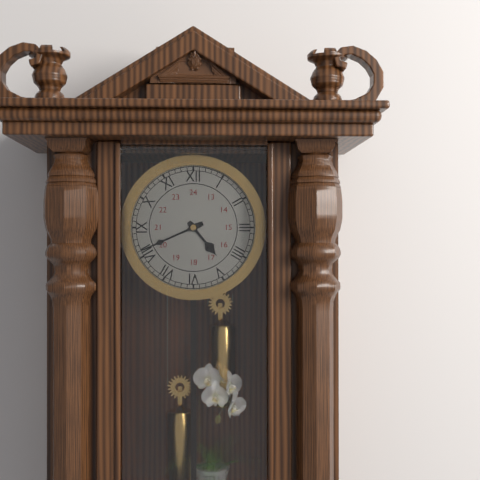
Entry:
4 h 41 min
